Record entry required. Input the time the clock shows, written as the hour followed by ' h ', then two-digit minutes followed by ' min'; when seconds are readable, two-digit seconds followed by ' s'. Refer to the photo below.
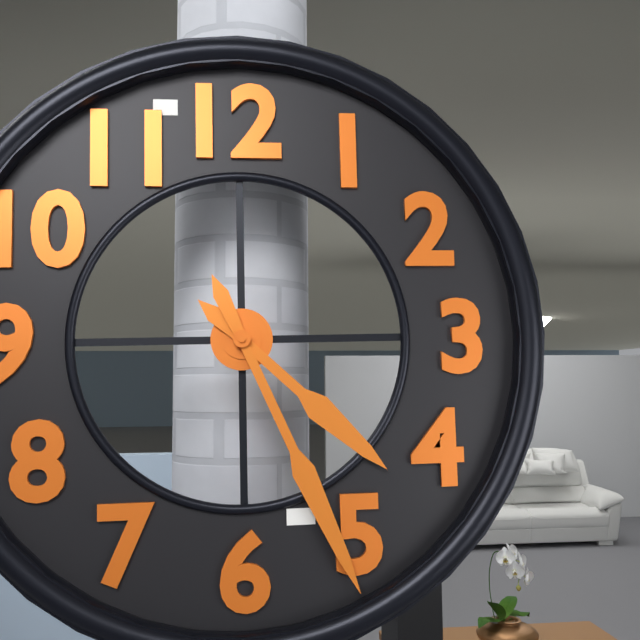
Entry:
4 h 26 min
